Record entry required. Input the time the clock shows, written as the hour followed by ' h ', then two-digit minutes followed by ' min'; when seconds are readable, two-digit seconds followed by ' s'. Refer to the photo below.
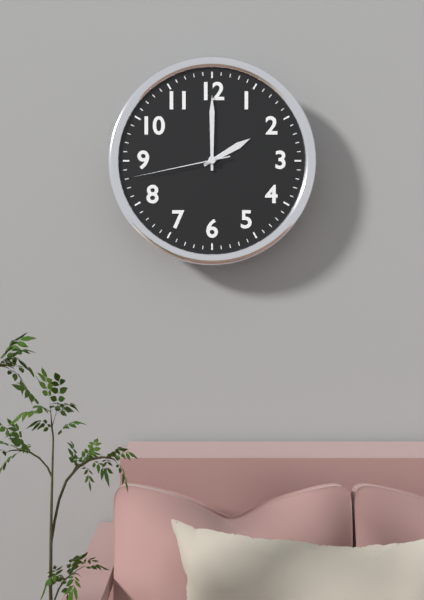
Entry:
2 h 00 min 43 s
